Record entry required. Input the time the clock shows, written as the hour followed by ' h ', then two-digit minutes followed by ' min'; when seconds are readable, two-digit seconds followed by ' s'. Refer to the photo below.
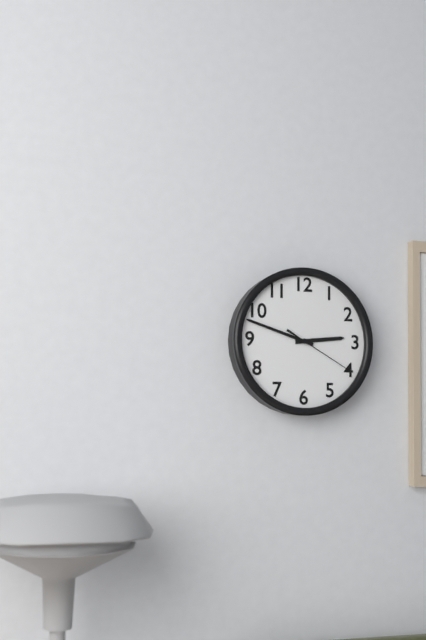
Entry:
2 h 48 min 20 s
